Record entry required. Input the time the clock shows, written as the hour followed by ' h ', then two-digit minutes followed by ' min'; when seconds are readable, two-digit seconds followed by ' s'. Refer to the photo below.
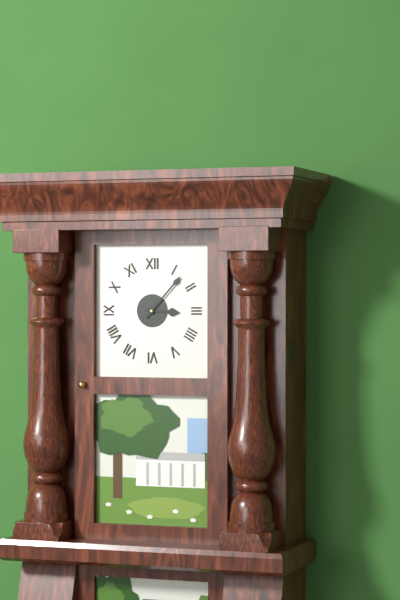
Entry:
3 h 07 min
